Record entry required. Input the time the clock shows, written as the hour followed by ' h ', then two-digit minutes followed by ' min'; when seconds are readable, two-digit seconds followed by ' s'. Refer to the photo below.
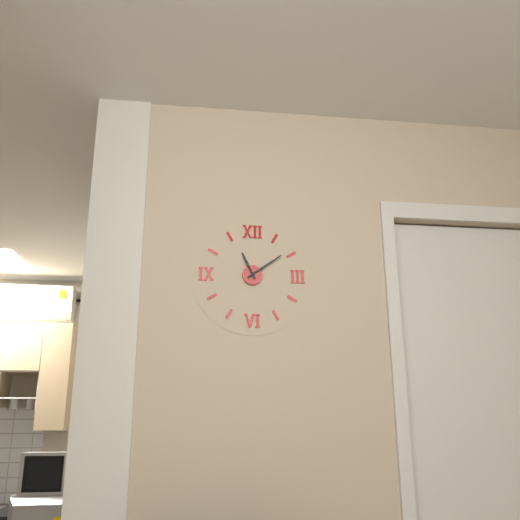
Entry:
11 h 09 min
